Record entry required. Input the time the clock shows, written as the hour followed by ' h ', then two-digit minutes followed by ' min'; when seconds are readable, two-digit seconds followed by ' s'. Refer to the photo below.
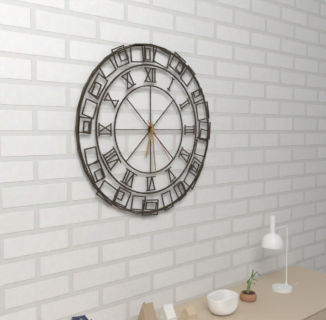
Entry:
6 h 29 min
